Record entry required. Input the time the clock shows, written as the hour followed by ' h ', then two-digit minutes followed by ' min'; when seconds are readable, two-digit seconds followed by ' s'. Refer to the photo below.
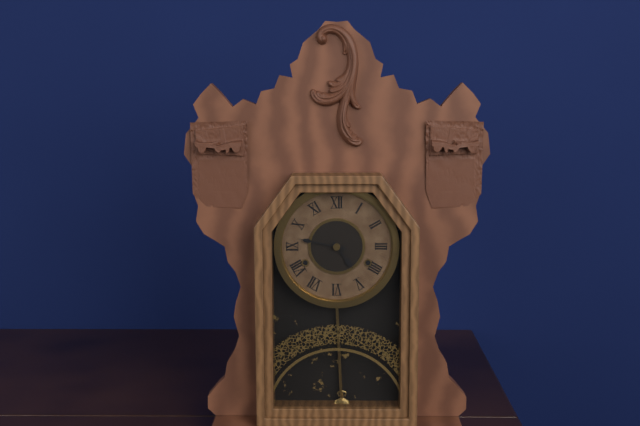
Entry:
4 h 47 min
